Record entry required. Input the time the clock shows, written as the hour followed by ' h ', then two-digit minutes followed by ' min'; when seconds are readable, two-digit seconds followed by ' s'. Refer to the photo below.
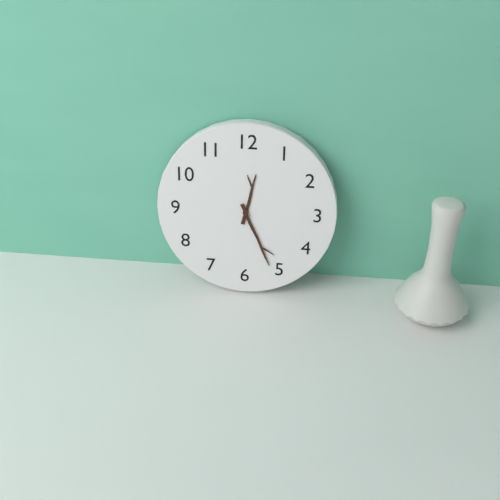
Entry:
12 h 26 min
